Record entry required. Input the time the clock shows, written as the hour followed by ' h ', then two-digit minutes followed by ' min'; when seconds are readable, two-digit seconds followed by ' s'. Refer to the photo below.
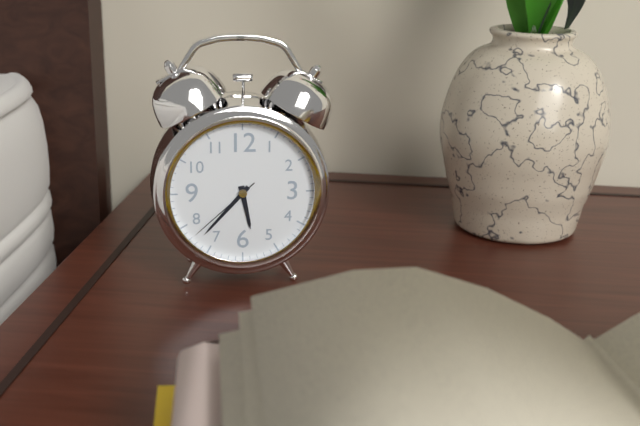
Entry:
5 h 37 min 38 s
